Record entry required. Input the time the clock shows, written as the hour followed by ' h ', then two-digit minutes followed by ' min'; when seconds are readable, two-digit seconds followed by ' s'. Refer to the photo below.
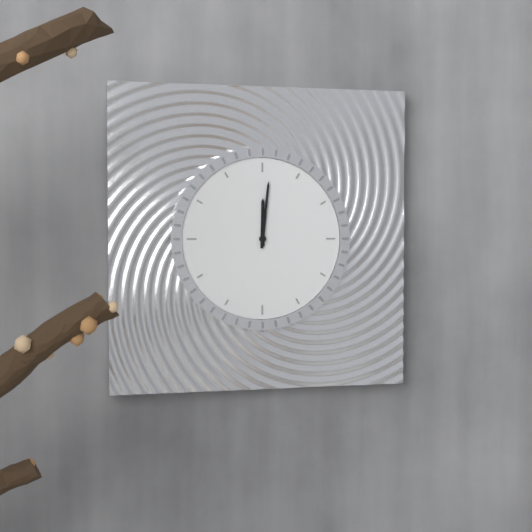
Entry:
12 h 01 min
